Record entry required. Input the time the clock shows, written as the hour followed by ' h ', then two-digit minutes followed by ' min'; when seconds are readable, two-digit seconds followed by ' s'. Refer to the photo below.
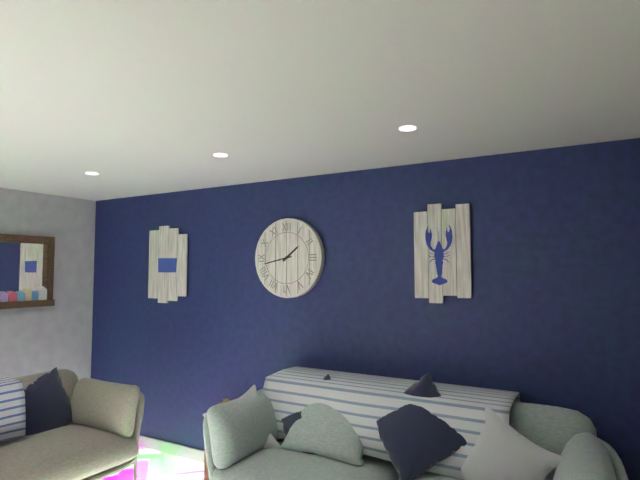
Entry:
1 h 43 min
